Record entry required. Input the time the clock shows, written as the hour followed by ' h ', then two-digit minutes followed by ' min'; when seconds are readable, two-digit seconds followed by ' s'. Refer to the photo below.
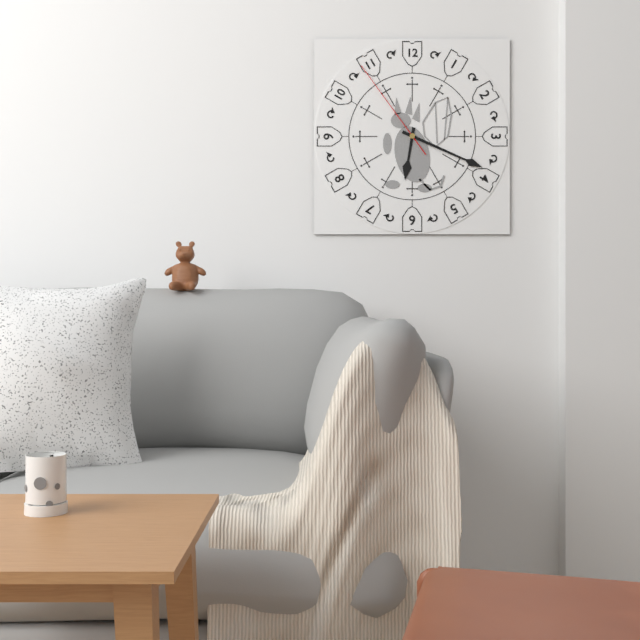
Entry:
6 h 19 min 54 s
